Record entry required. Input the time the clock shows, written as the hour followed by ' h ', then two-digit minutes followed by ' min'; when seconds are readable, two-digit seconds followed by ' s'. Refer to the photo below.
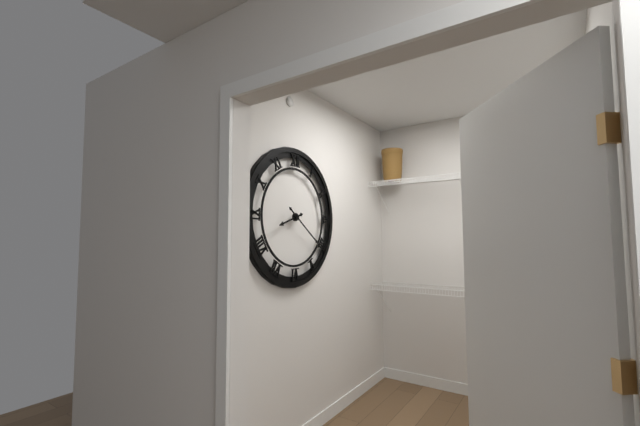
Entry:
8 h 21 min
